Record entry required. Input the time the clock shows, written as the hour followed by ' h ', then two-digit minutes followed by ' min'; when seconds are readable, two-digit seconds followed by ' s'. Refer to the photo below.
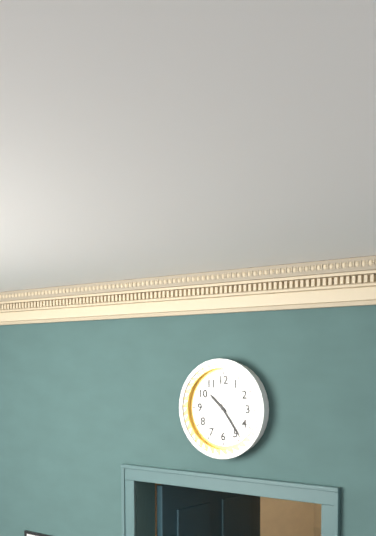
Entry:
10 h 24 min
